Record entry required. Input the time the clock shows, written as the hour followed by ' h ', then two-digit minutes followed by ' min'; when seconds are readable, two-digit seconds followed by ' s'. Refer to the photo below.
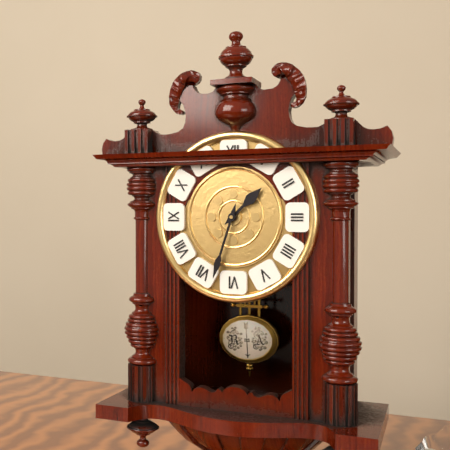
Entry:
1 h 33 min
